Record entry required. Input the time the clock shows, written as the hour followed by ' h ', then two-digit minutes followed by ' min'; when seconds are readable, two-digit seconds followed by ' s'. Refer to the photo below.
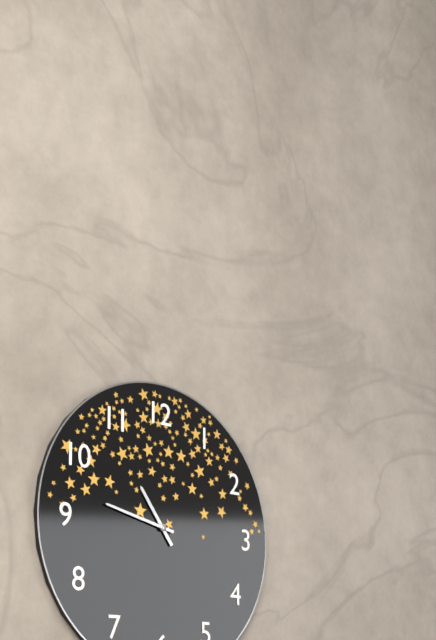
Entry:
10 h 47 min
